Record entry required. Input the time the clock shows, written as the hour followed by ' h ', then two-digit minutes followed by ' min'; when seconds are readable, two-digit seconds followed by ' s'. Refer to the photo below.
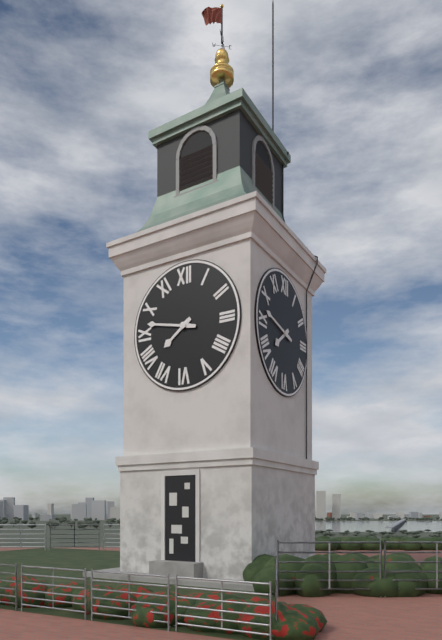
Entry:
7 h 47 min
